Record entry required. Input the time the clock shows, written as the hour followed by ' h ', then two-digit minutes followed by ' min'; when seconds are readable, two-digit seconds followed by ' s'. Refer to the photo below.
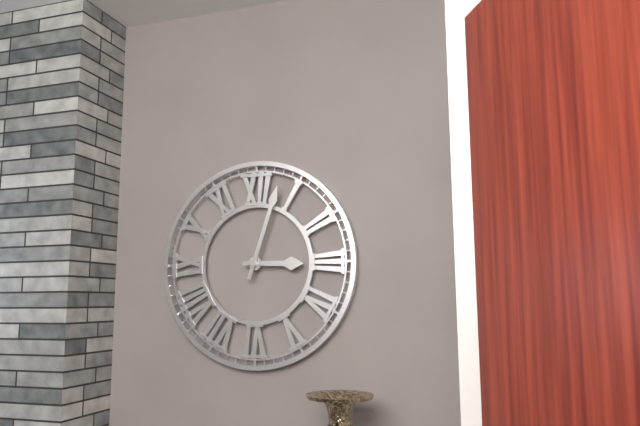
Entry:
3 h 03 min
